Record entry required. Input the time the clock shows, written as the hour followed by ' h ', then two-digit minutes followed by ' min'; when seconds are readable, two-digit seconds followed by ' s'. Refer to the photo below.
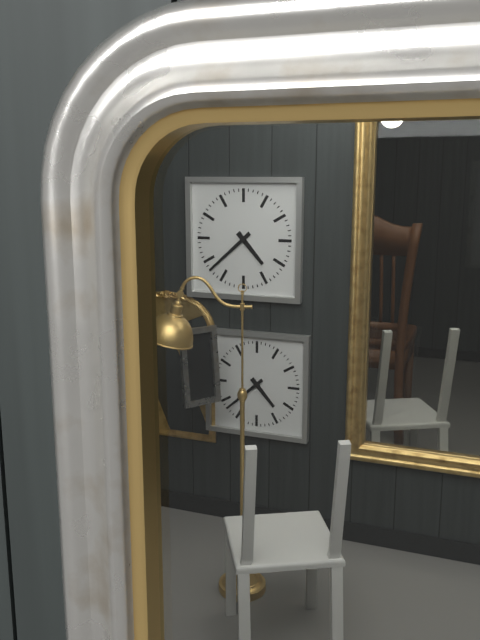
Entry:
4 h 38 min
